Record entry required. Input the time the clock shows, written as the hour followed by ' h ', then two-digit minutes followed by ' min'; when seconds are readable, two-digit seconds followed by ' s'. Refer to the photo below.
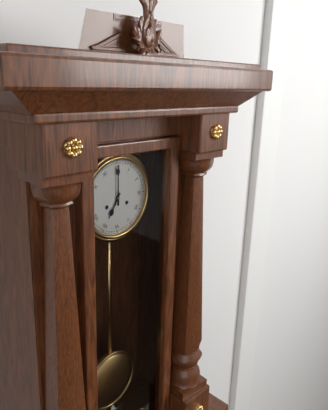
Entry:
7 h 00 min
